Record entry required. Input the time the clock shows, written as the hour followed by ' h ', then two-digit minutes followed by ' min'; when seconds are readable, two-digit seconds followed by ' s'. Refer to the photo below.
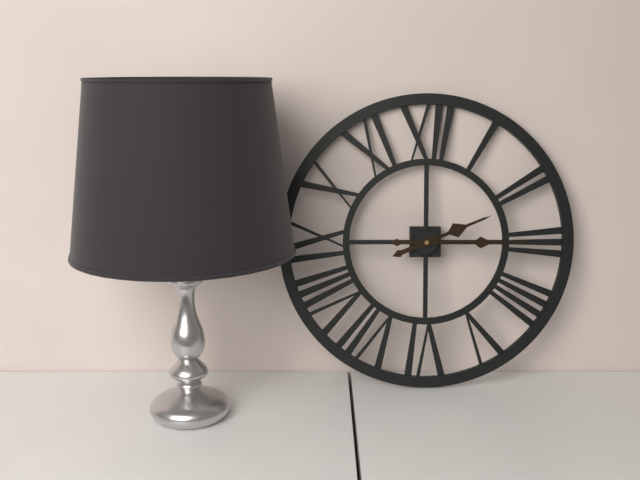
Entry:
2 h 15 min
